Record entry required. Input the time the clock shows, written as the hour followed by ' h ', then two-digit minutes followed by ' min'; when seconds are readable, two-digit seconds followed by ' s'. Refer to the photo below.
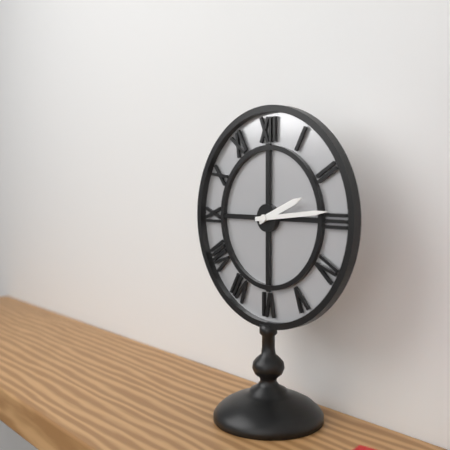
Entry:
2 h 14 min
